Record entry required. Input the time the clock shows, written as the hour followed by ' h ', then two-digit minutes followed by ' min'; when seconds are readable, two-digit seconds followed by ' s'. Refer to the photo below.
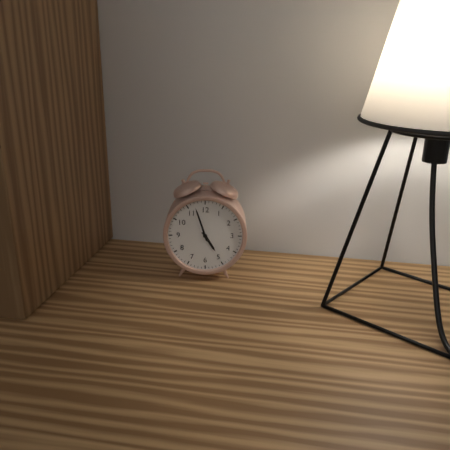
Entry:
4 h 57 min
